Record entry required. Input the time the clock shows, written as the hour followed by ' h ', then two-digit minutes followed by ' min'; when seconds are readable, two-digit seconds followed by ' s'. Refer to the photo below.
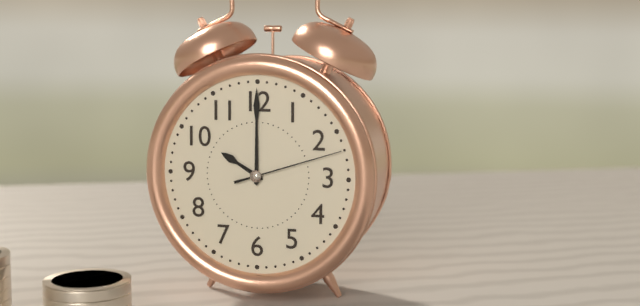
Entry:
10 h 00 min 12 s
